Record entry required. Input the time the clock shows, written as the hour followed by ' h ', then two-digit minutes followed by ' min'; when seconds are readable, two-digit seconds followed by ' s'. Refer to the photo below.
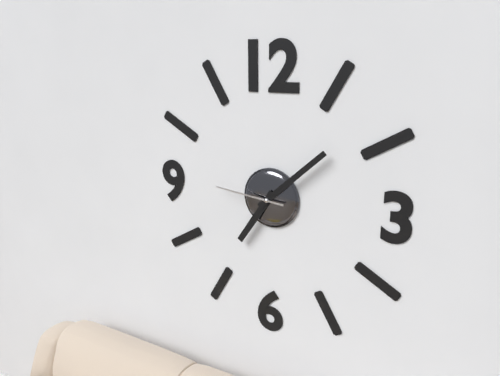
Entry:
7 h 08 min 46 s
